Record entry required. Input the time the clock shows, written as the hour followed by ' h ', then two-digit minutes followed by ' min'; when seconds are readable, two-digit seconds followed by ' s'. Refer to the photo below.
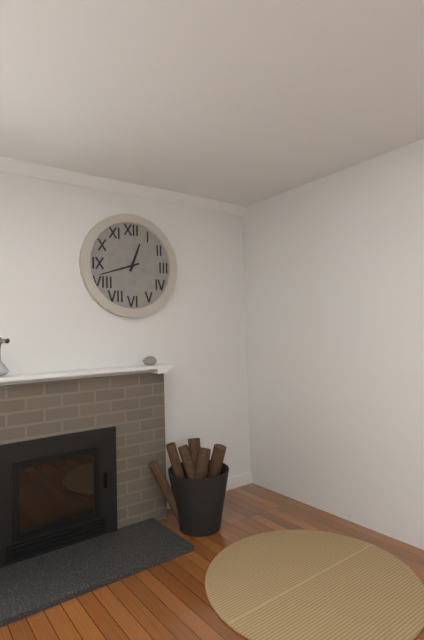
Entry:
12 h 42 min
